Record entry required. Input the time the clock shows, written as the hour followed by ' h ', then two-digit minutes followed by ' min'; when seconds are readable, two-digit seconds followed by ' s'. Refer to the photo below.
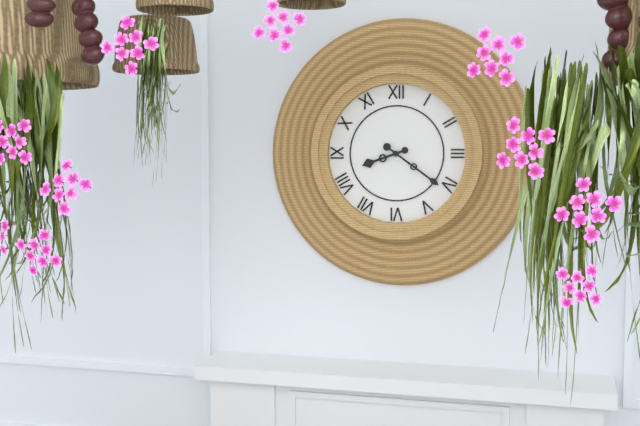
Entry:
8 h 21 min
